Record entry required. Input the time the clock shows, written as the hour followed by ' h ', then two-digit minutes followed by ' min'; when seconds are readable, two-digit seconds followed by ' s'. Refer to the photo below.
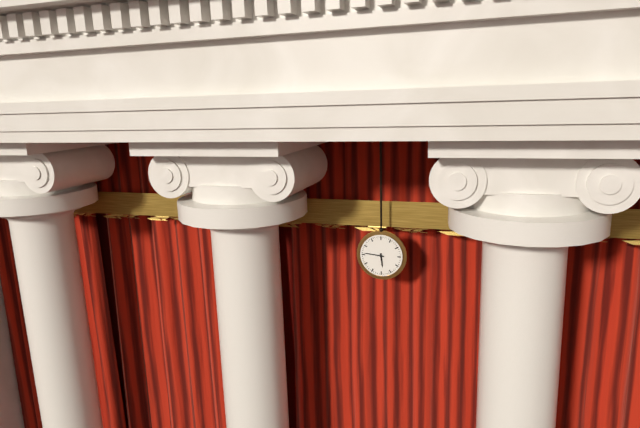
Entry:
5 h 46 min
